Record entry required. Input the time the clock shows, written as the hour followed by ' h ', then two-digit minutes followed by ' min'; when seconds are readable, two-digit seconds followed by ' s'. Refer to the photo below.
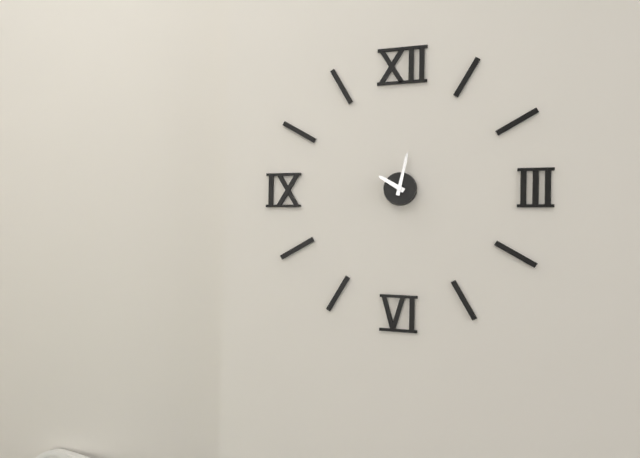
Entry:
10 h 02 min
